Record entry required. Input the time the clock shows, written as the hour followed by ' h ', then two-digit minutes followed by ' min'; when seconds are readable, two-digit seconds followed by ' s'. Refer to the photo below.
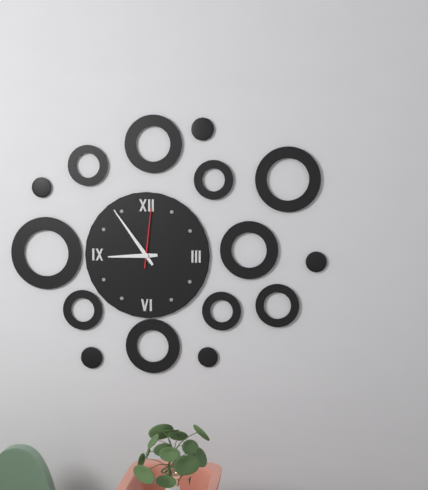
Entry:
8 h 54 min 01 s
